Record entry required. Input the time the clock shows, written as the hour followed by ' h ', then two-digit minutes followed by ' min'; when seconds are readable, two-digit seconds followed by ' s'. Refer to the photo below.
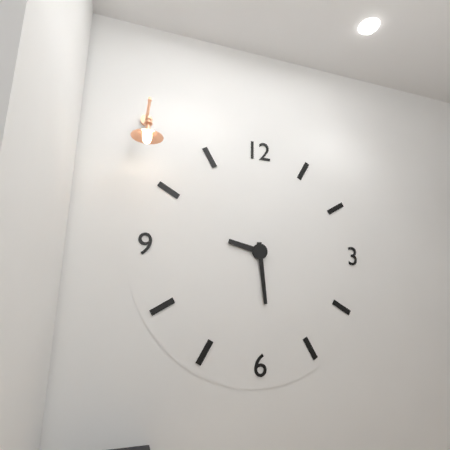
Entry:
9 h 29 min
